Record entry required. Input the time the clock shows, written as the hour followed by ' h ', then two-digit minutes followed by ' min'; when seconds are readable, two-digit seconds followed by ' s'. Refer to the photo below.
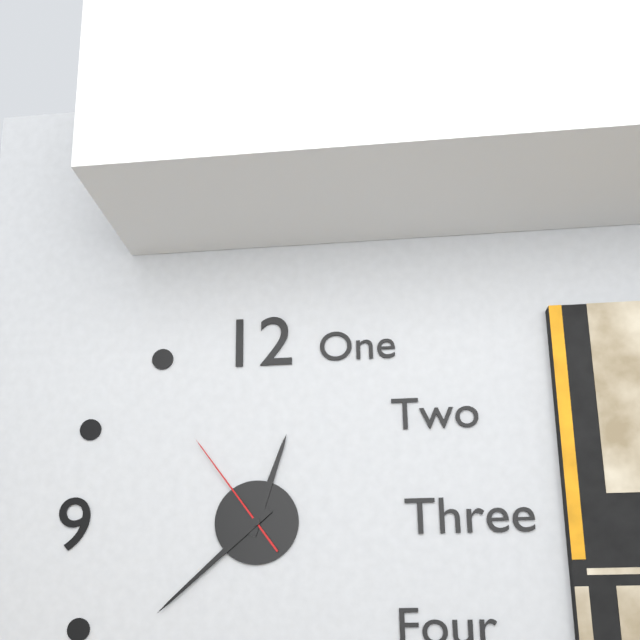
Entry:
12 h 38 min 54 s
